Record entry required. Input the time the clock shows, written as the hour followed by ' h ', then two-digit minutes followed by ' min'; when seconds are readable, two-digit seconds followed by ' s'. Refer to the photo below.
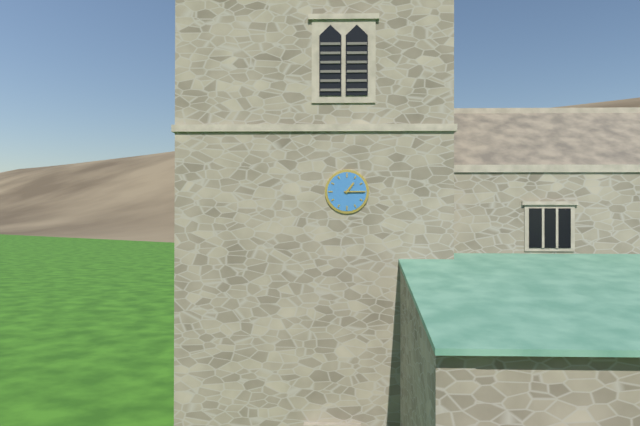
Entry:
1 h 15 min
